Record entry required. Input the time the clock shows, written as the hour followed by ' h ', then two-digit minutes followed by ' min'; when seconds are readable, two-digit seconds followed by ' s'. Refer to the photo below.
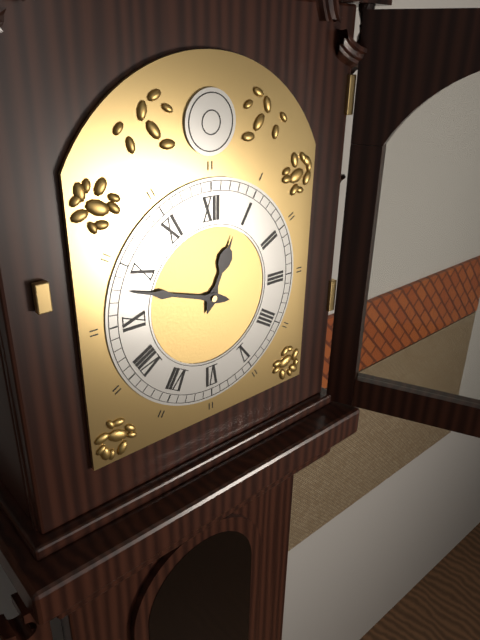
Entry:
12 h 48 min
